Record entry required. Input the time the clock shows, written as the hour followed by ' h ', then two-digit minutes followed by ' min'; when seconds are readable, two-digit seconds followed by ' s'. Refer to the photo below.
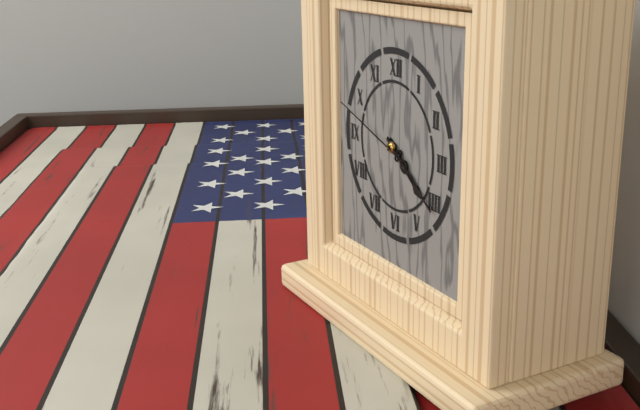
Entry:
4 h 21 min 48 s
